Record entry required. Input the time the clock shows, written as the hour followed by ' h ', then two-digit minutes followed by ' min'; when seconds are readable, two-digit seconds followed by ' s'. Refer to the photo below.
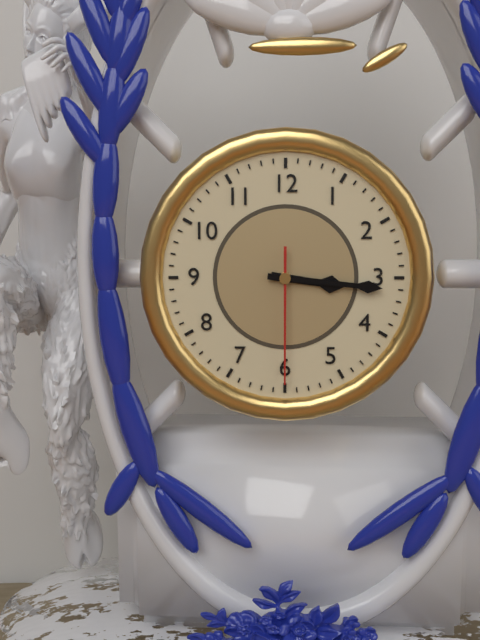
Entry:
3 h 16 min 30 s
